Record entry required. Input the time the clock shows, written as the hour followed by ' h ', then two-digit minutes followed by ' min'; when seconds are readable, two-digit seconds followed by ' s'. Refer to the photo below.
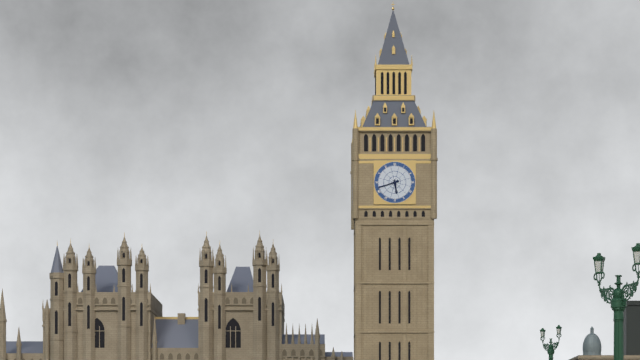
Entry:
5 h 42 min
